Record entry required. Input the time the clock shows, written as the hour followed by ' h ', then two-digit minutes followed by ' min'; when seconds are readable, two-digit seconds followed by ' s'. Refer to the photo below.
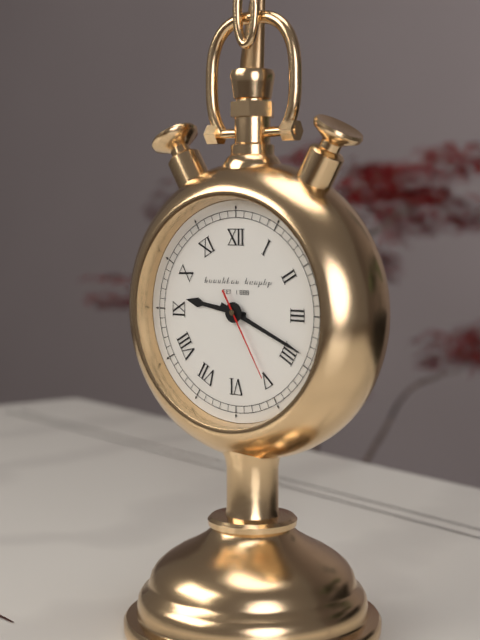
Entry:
9 h 19 min 25 s
